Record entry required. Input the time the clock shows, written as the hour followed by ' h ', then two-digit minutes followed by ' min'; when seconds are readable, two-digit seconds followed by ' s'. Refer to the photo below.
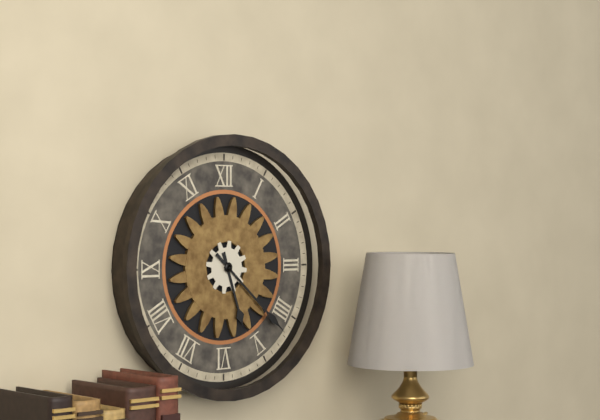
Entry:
5 h 22 min
